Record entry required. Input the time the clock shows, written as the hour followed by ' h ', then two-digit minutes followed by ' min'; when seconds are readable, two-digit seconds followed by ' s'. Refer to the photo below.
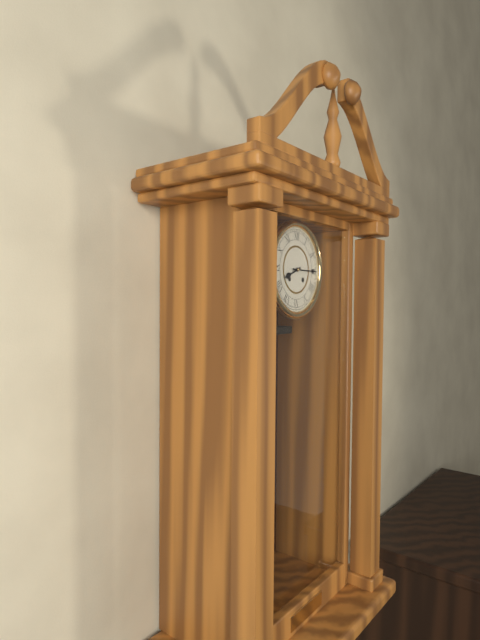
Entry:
8 h 15 min
